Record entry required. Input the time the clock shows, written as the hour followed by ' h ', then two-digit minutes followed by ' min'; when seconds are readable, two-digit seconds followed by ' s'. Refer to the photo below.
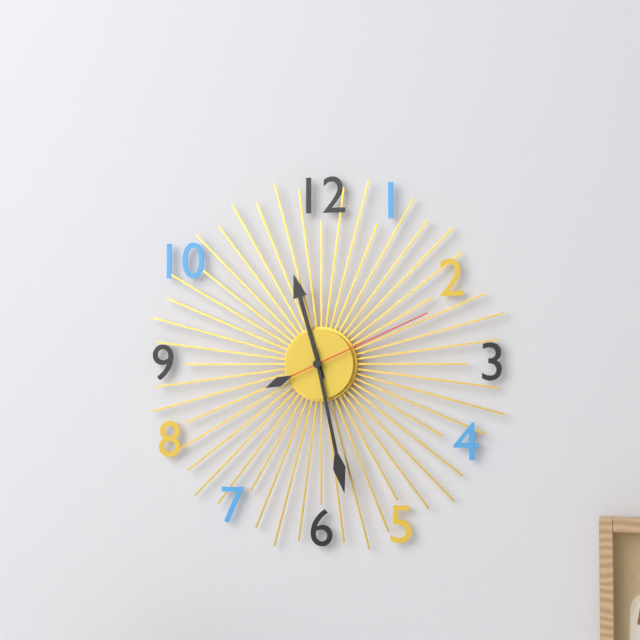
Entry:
11 h 28 min 11 s
